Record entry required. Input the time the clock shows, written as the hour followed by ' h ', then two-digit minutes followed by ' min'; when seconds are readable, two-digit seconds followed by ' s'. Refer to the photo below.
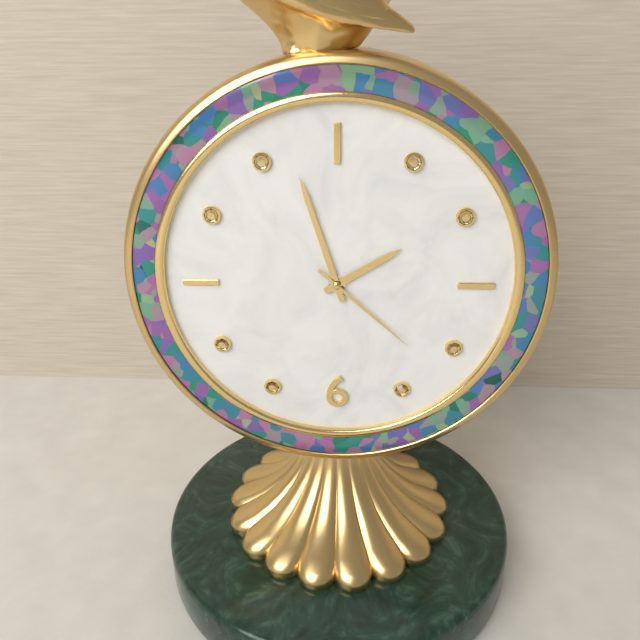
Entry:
1 h 57 min 22 s
